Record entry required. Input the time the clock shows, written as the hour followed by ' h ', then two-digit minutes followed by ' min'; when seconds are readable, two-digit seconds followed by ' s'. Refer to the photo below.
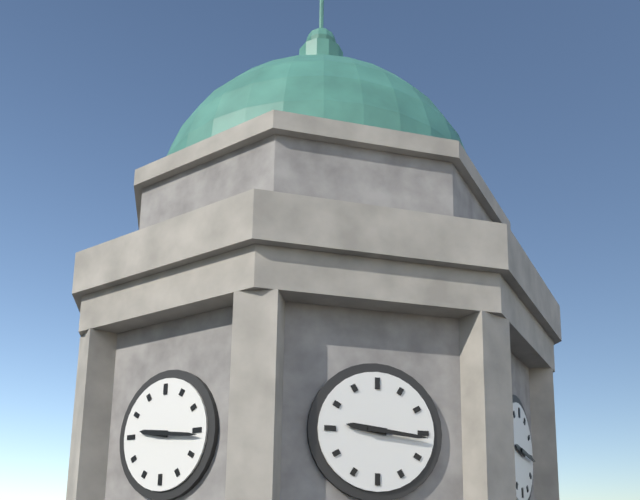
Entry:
9 h 16 min
